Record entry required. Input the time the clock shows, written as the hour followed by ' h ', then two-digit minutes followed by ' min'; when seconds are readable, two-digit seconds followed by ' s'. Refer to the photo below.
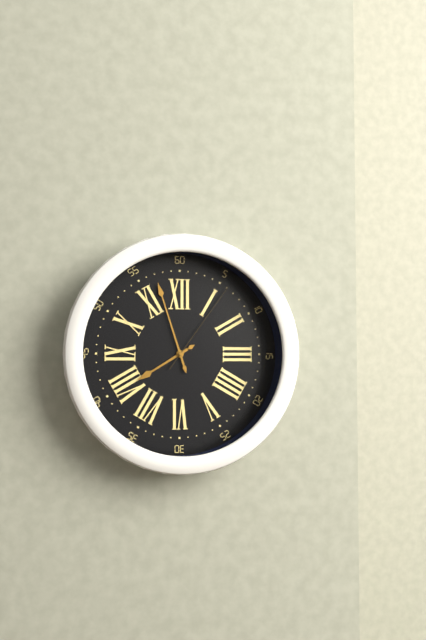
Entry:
7 h 57 min 06 s
